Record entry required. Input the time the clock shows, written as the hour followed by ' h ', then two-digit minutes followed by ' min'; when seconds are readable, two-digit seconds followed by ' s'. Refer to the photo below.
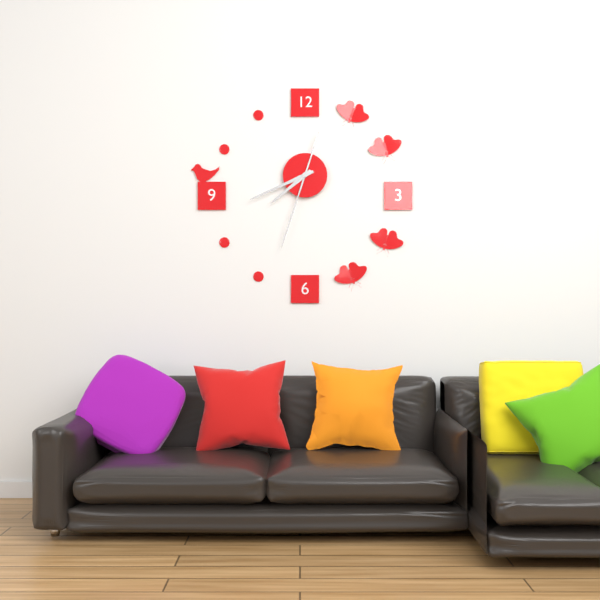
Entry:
7 h 41 min 33 s
